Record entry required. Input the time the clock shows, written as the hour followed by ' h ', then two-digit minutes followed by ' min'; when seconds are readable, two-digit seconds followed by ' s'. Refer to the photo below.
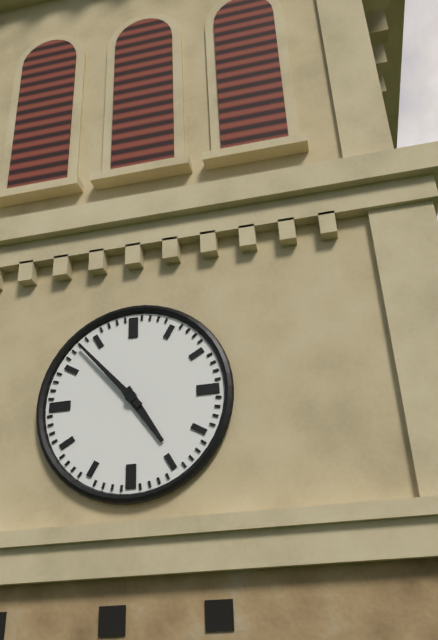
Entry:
4 h 53 min
